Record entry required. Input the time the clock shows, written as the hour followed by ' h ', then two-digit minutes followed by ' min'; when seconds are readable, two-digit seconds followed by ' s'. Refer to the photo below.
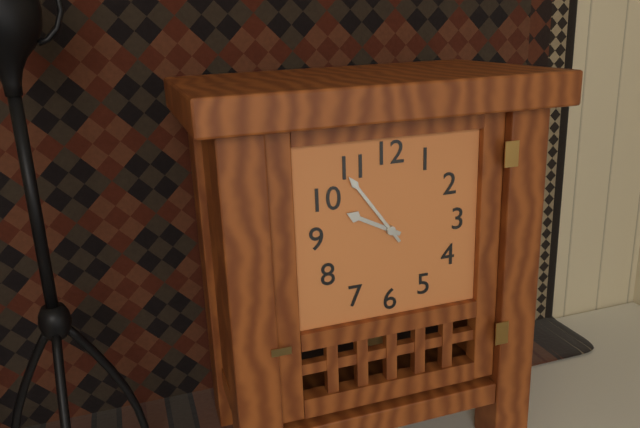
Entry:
9 h 54 min
